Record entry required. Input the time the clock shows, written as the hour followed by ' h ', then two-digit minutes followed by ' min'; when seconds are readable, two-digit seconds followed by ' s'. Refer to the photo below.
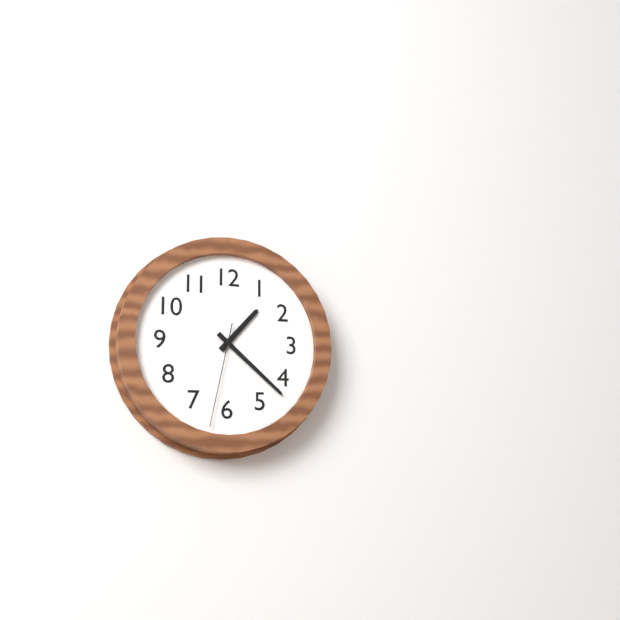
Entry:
1 h 22 min 32 s
